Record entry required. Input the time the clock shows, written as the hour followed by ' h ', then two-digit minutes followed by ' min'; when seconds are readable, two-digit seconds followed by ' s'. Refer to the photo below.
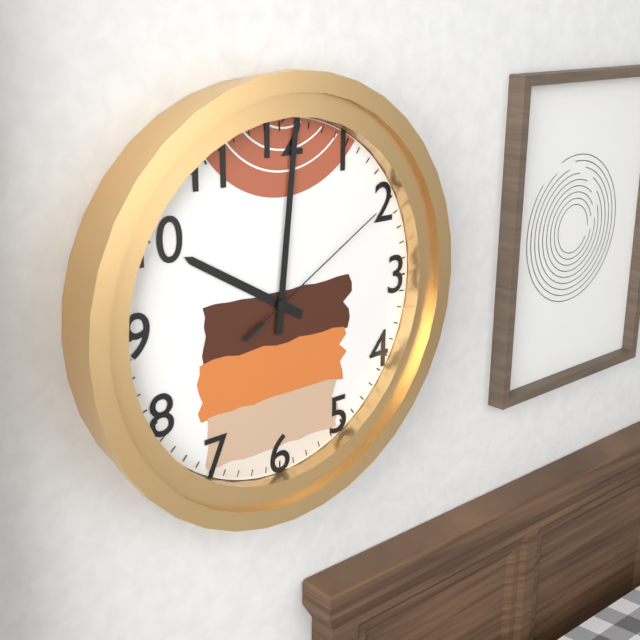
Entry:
10 h 01 min 10 s
